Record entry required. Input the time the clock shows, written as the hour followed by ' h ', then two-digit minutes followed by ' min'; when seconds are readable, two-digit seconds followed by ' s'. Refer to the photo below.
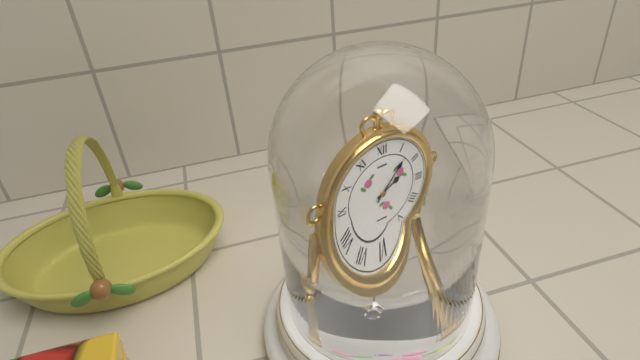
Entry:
2 h 07 min
